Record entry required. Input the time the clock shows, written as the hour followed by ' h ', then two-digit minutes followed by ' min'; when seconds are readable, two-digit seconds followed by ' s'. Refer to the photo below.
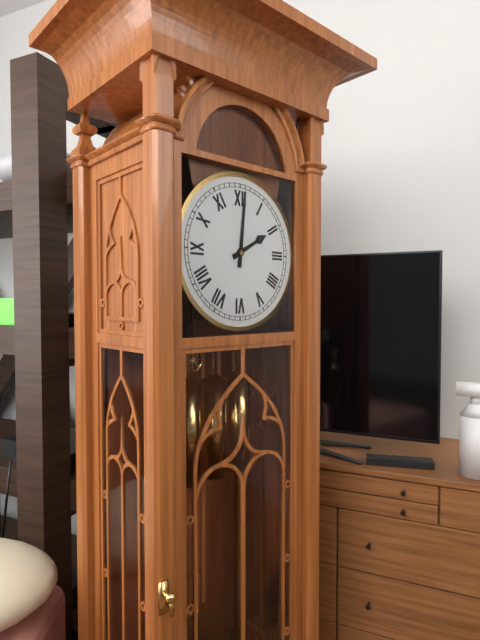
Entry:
2 h 01 min
